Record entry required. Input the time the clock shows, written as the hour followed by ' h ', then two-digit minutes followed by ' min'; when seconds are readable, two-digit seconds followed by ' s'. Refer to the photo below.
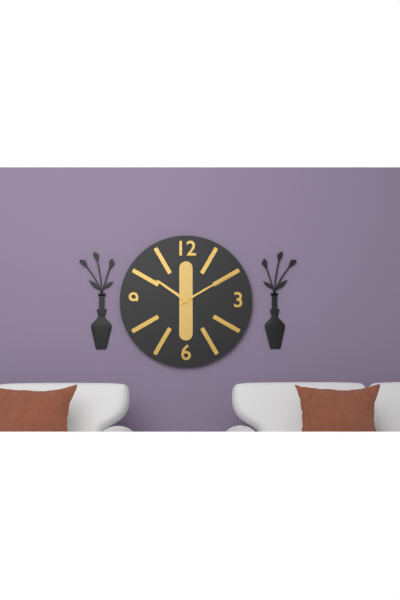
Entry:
10 h 10 min
